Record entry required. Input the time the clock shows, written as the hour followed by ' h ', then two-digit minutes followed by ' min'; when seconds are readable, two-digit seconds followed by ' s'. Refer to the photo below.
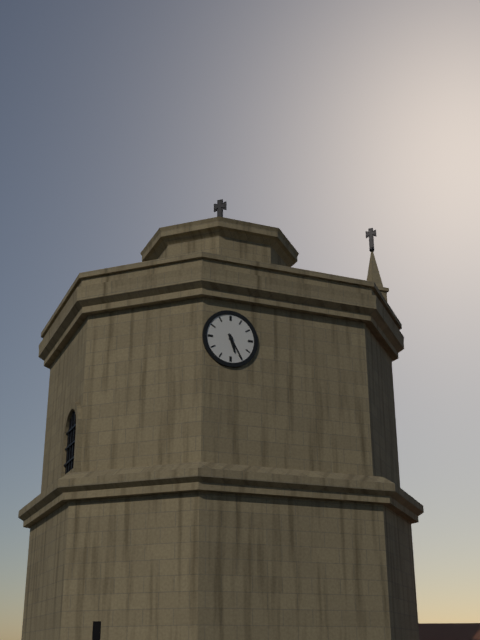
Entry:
5 h 25 min
